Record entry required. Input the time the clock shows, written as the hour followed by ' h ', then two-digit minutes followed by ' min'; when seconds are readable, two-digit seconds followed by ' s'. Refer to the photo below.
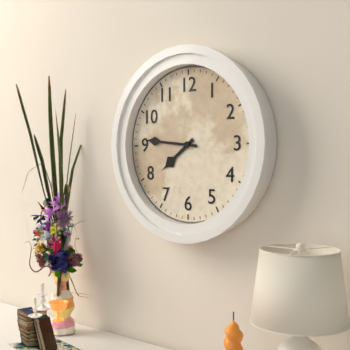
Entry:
7 h 46 min
